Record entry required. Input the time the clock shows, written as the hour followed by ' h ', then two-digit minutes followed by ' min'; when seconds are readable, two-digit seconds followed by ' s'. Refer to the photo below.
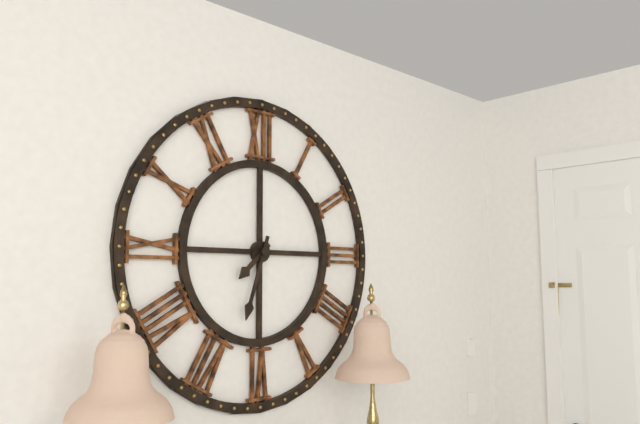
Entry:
7 h 33 min
